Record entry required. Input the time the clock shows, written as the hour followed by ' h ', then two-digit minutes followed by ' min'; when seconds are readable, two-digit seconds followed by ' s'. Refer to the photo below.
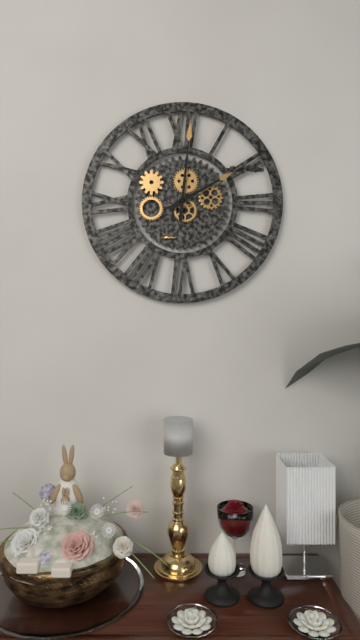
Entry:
2 h 01 min
